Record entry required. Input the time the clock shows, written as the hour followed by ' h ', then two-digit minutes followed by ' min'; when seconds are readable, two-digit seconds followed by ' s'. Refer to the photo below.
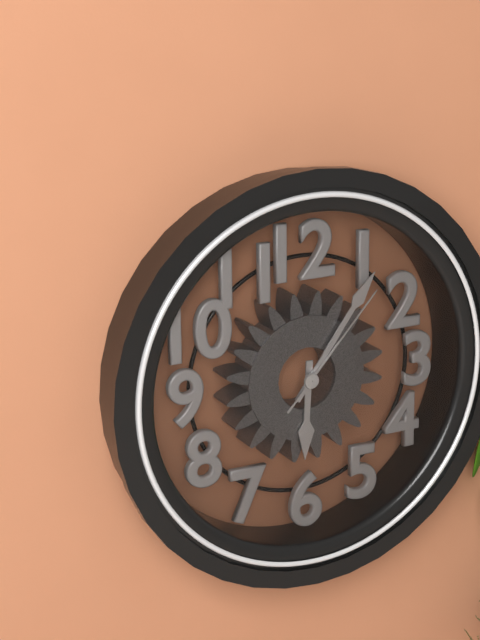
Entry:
6 h 06 min 07 s
